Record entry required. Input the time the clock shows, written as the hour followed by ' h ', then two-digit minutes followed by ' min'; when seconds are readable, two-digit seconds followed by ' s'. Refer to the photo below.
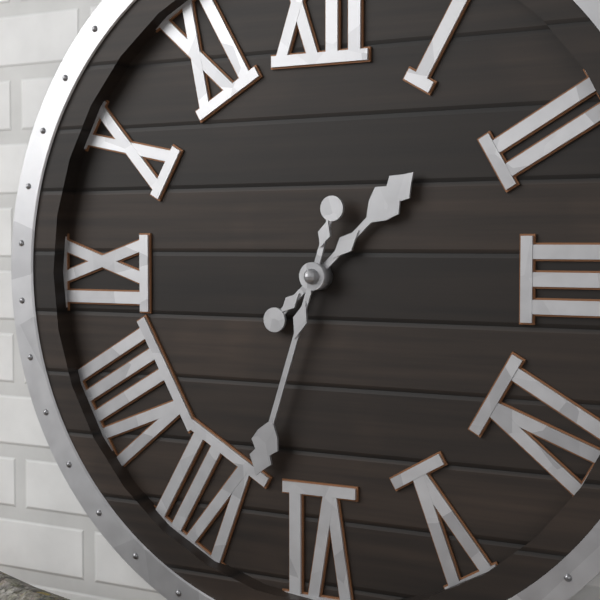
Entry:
1 h 33 min
